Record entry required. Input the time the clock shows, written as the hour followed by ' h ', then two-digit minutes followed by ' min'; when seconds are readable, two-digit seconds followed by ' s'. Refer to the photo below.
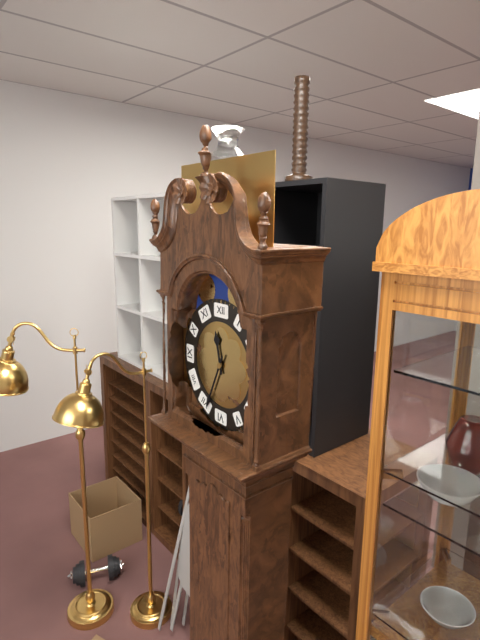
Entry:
11 h 34 min
